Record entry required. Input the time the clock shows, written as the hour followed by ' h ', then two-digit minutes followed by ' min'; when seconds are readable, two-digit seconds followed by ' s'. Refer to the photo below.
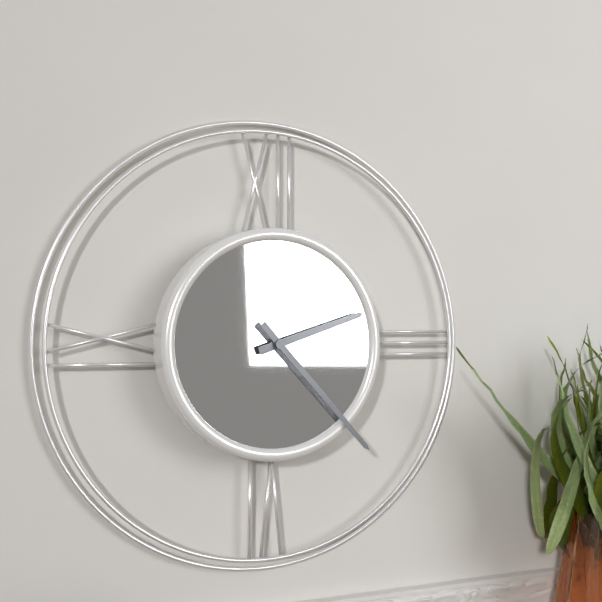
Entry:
2 h 23 min
